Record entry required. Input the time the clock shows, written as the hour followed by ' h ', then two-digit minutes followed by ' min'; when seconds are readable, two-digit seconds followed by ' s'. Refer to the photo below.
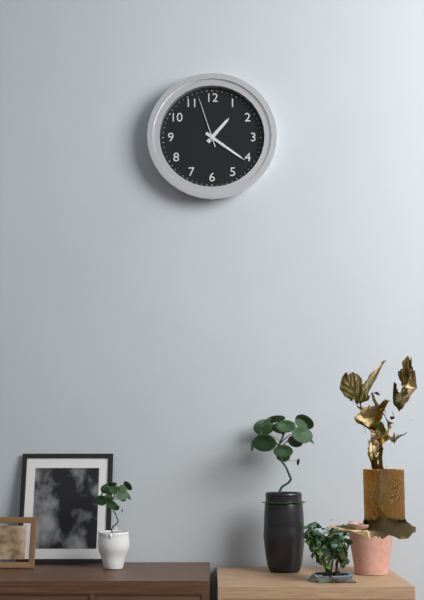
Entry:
1 h 21 min 57 s
